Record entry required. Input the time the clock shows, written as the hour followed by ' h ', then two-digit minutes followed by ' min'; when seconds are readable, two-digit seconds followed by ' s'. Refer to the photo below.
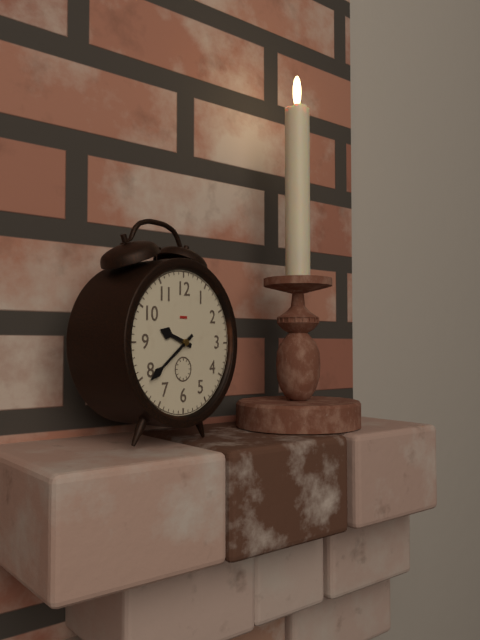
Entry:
9 h 39 min
